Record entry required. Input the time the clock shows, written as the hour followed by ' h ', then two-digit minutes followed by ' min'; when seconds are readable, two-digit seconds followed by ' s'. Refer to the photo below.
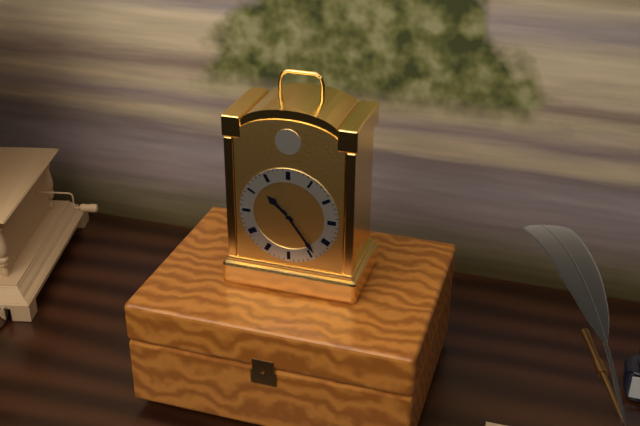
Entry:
10 h 24 min
